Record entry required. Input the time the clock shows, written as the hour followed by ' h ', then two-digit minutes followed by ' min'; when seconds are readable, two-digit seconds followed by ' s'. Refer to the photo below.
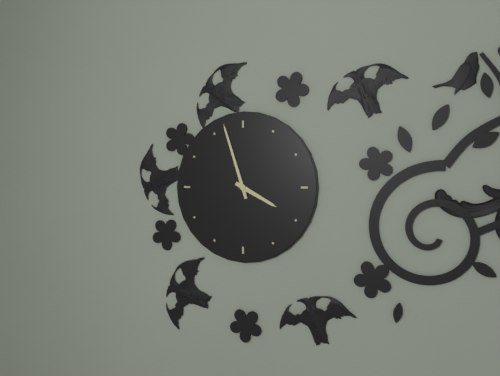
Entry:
3 h 57 min
